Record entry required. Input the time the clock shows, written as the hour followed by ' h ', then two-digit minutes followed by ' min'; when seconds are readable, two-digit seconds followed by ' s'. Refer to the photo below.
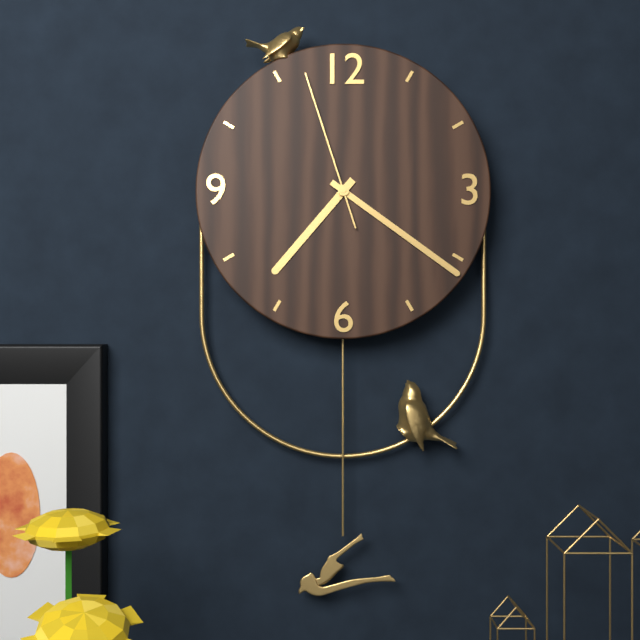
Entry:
7 h 21 min 57 s
